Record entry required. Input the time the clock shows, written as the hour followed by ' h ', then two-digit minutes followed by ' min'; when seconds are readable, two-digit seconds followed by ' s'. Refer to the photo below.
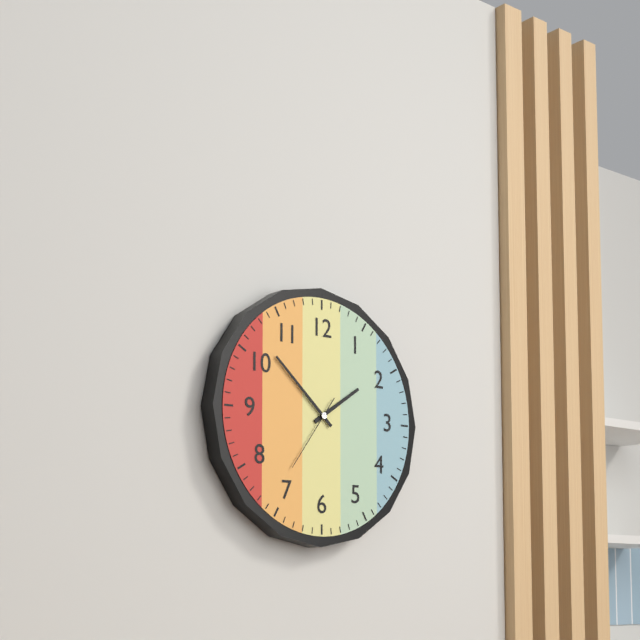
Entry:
1 h 52 min 36 s
